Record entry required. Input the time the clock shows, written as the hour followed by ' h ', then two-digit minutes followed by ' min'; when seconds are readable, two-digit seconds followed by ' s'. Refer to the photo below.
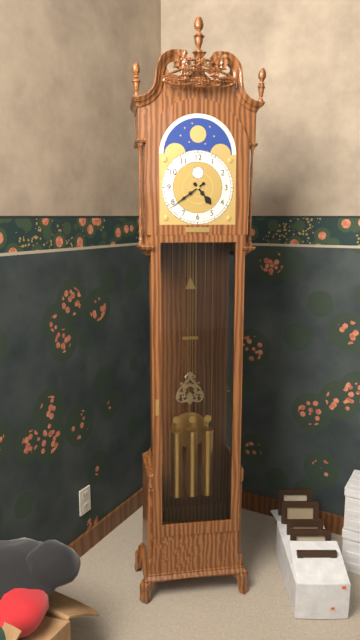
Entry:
4 h 39 min
